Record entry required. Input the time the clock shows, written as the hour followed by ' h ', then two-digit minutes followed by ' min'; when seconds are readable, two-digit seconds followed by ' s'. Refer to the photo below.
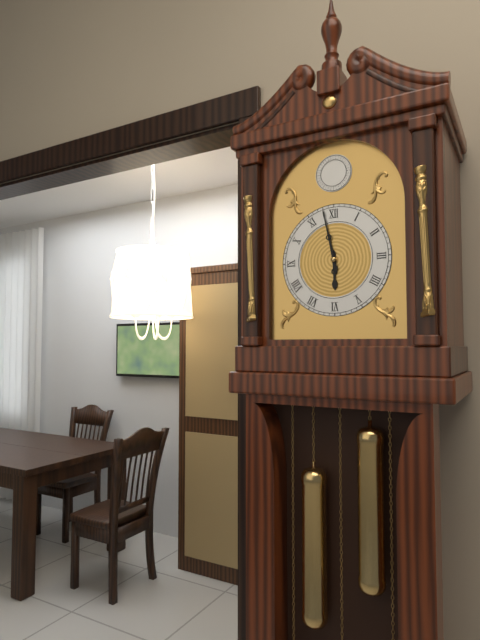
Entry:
5 h 58 min
